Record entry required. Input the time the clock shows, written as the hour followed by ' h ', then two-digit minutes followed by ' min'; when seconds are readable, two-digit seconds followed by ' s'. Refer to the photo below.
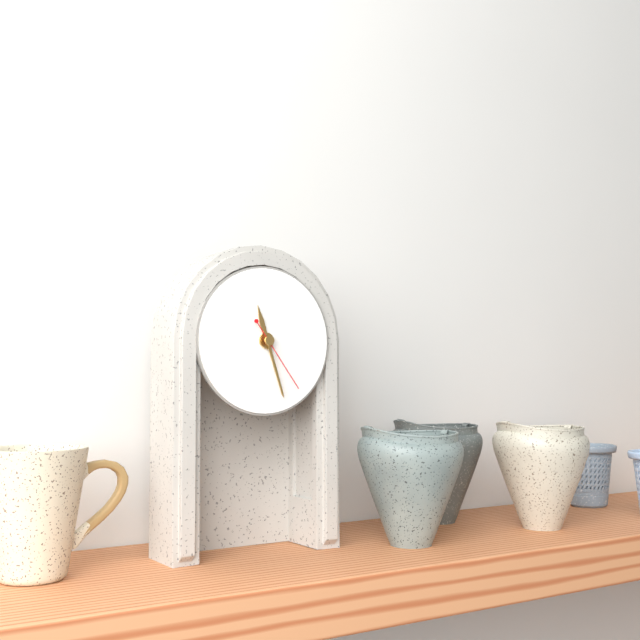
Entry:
11 h 27 min 24 s
